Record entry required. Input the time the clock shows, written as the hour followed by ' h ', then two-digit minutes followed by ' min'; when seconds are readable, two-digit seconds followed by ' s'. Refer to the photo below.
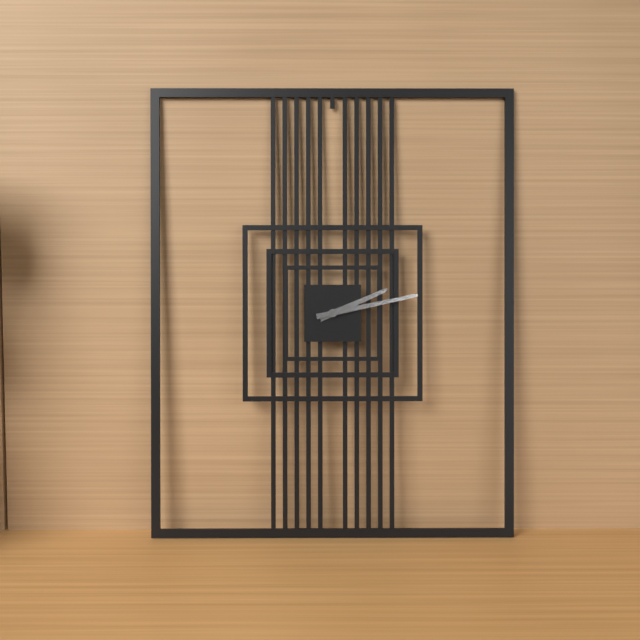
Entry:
2 h 13 min
